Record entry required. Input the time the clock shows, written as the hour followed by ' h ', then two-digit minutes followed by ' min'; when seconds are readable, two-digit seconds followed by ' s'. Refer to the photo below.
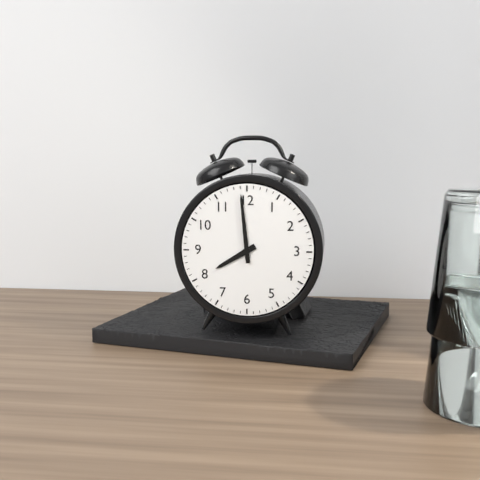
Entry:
7 h 59 min
